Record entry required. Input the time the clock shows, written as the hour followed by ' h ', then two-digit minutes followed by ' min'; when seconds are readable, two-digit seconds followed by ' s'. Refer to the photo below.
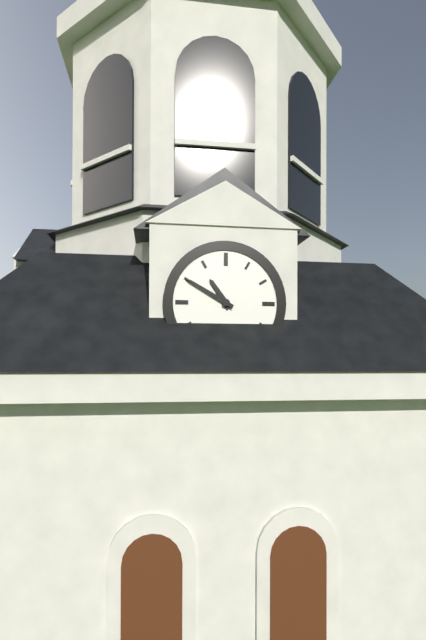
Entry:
10 h 50 min
